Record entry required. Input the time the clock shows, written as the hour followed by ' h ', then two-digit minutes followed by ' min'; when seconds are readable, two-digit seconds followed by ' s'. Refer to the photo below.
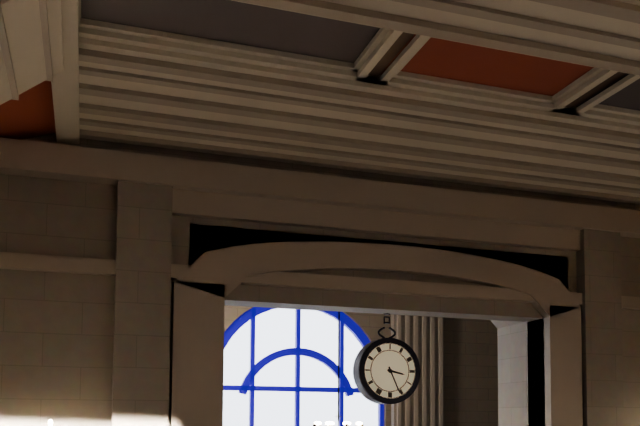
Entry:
3 h 26 min
